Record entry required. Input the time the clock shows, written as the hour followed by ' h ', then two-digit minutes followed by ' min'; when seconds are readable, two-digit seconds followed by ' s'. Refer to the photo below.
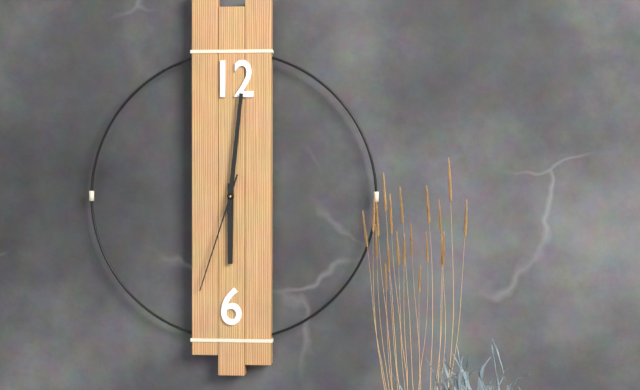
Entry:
6 h 01 min 33 s
